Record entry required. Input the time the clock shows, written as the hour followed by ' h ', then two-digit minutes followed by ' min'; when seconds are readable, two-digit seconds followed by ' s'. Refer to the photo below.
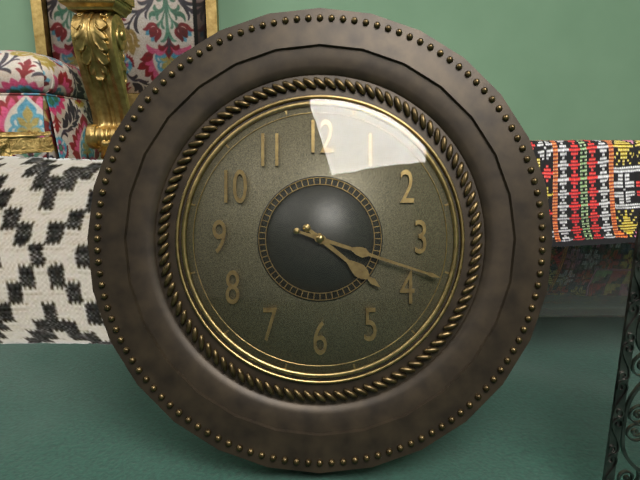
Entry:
4 h 18 min
